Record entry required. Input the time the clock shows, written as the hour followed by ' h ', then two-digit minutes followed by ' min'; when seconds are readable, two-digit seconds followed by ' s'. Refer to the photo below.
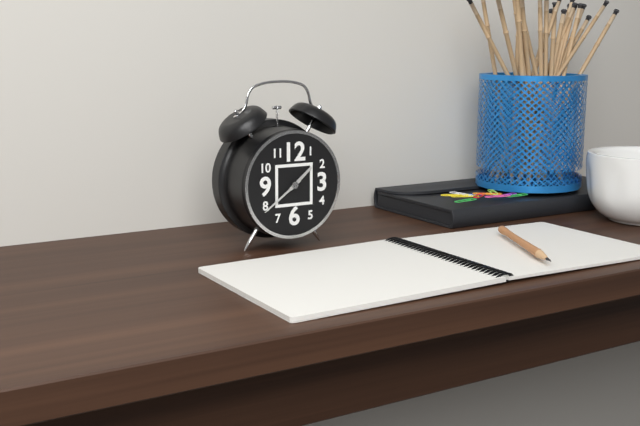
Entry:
1 h 39 min
